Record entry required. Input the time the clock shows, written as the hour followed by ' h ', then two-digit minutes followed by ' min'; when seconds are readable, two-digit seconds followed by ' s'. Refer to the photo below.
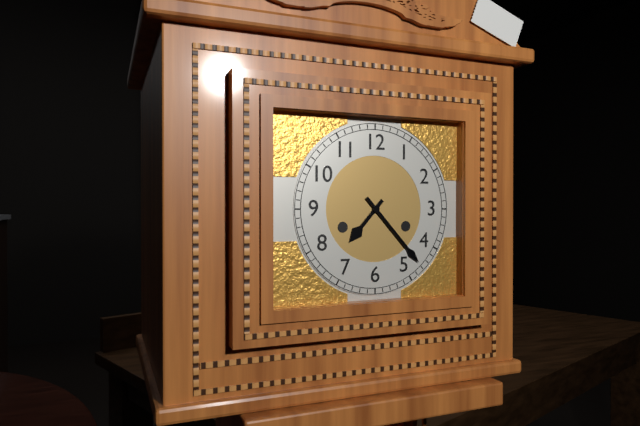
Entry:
7 h 23 min
